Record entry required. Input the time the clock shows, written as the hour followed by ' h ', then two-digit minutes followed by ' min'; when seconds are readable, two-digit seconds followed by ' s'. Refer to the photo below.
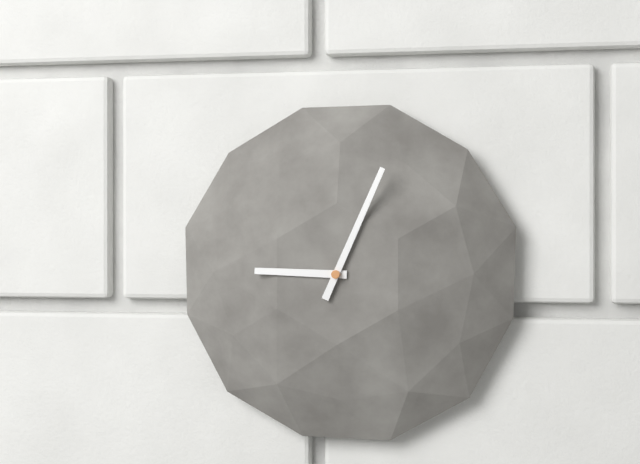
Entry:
9 h 04 min
